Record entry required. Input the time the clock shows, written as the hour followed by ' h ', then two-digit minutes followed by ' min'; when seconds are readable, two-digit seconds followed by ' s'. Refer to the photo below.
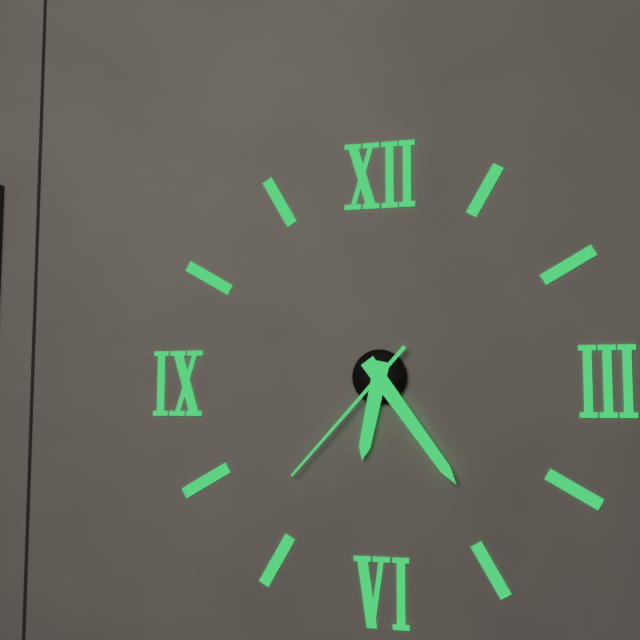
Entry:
6 h 24 min 37 s
